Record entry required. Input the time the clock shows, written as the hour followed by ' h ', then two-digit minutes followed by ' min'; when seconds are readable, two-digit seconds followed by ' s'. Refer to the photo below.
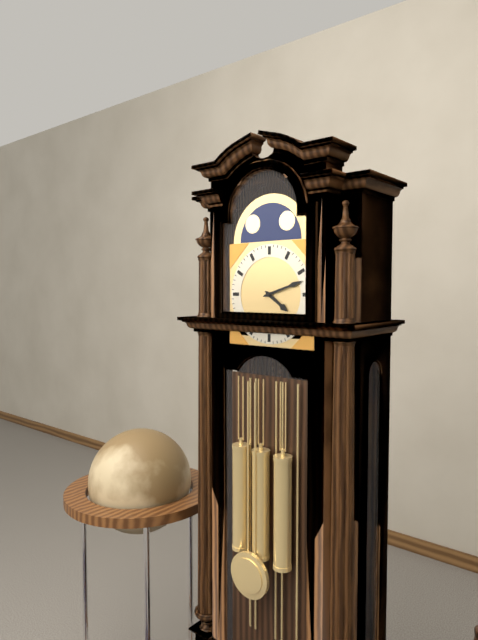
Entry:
4 h 12 min
